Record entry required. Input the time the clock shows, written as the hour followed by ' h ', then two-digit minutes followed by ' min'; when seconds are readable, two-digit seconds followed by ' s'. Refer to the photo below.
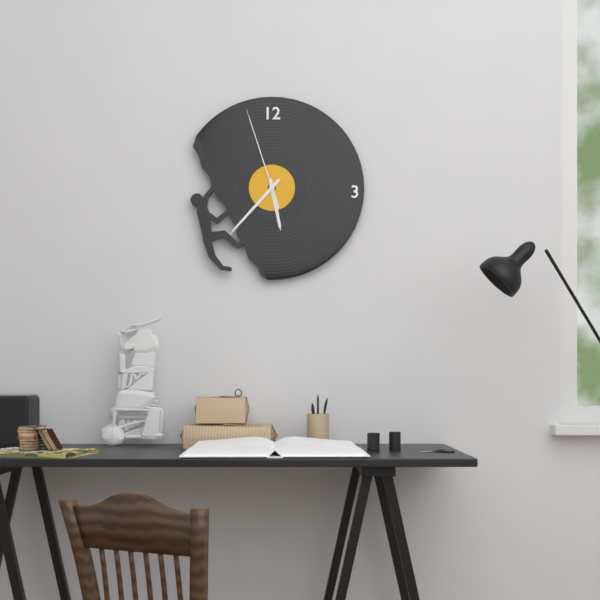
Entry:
5 h 37 min 57 s
